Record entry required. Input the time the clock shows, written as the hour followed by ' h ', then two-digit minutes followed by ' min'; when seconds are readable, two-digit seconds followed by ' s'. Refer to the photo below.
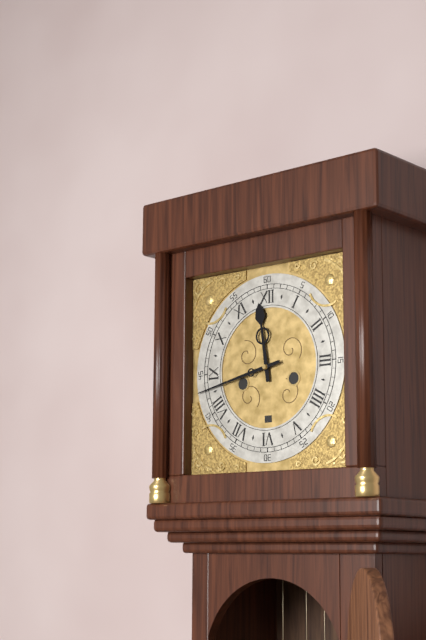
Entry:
11 h 43 min
